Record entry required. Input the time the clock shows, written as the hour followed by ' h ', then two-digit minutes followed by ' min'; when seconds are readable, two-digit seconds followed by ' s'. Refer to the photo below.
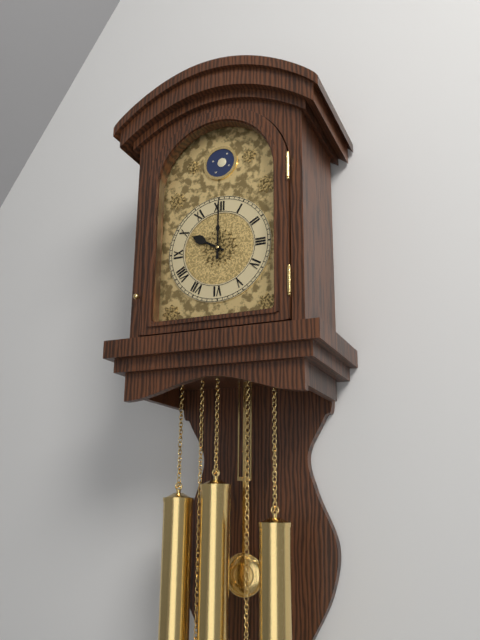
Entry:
10 h 00 min
